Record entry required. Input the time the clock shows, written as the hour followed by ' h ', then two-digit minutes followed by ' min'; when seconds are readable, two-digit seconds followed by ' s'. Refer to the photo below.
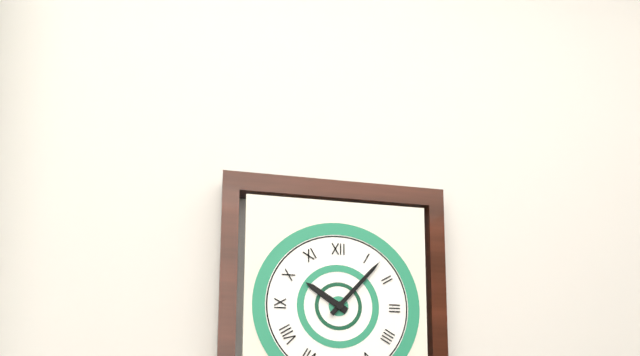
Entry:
10 h 07 min
